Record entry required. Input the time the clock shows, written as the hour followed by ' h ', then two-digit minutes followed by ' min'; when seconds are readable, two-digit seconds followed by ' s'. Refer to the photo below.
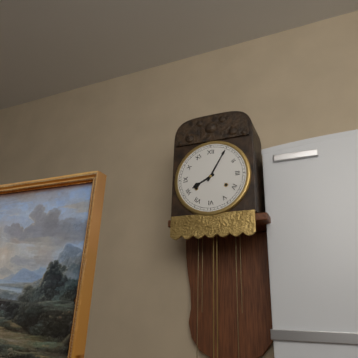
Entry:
8 h 05 min
